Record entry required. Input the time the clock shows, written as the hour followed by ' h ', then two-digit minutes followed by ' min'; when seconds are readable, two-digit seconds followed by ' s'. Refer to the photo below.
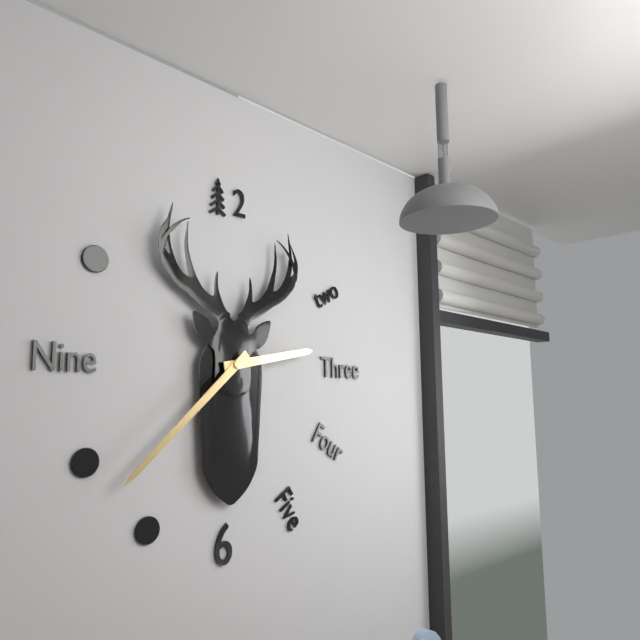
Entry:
2 h 38 min
